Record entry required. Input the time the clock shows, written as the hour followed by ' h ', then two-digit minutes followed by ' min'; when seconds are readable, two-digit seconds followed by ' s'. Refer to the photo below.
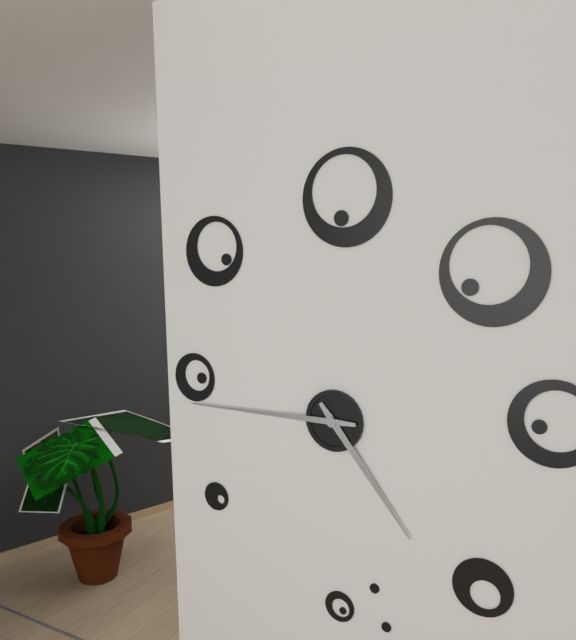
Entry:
4 h 45 min
